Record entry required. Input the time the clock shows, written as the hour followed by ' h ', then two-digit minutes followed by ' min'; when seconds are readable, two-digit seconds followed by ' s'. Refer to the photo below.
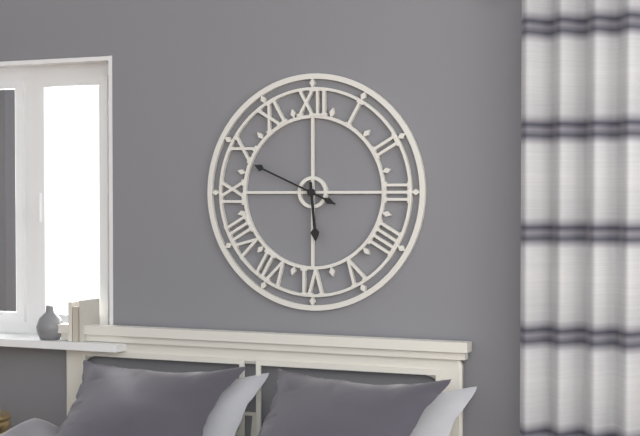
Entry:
5 h 49 min
